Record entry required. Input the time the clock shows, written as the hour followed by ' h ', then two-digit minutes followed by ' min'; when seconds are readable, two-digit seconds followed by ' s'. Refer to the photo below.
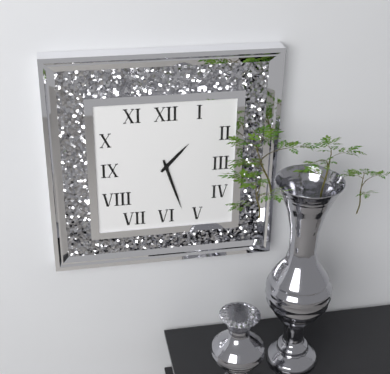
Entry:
1 h 27 min
